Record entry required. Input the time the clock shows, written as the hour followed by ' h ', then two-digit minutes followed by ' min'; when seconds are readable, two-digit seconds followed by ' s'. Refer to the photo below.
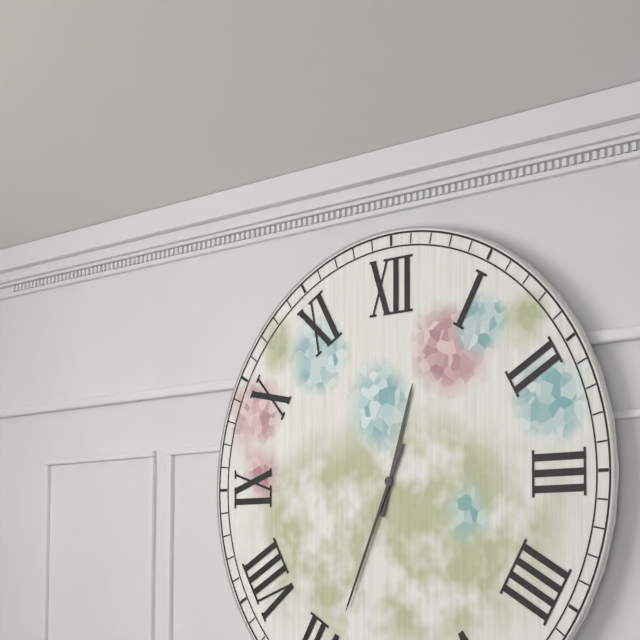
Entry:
12 h 34 min
